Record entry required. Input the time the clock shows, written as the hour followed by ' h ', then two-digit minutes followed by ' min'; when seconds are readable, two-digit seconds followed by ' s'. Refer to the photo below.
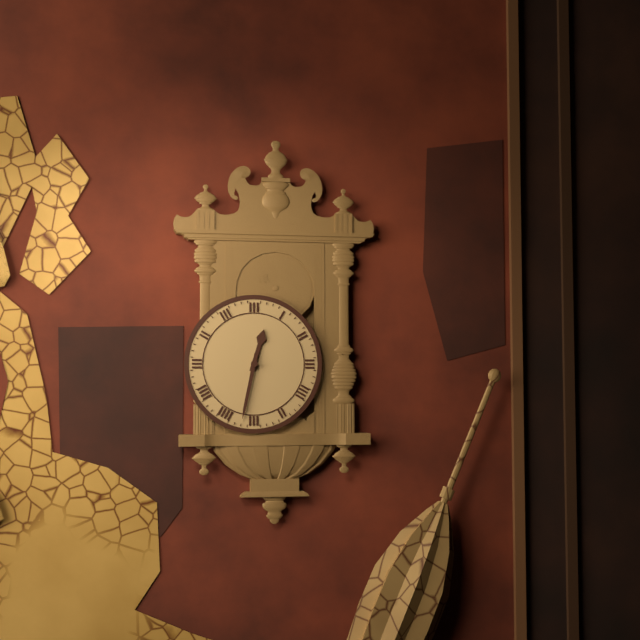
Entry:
12 h 32 min
